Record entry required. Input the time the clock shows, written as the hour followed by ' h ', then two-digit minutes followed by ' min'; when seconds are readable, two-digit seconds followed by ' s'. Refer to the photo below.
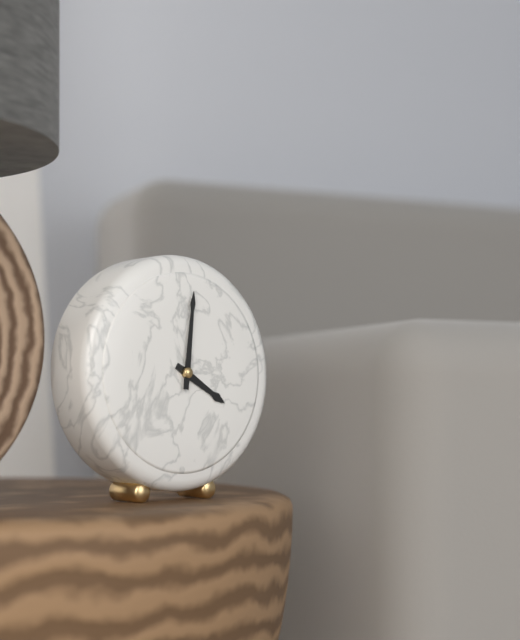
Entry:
4 h 01 min
